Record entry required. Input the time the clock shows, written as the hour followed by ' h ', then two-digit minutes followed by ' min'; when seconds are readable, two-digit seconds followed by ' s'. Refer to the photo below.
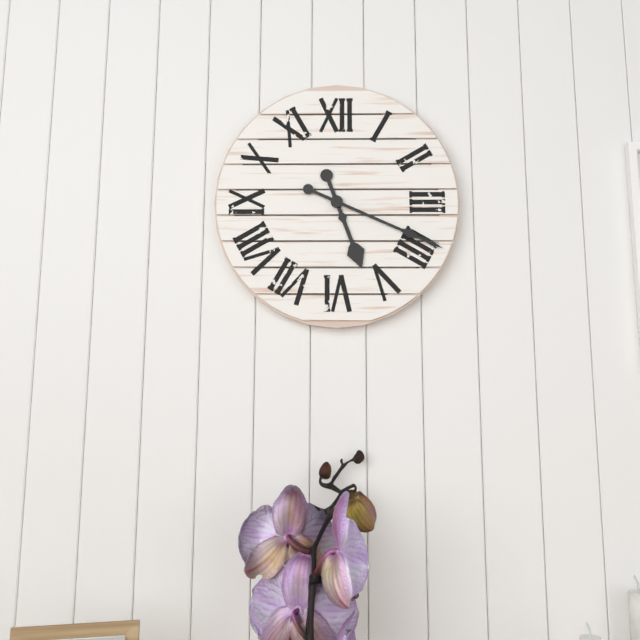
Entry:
5 h 19 min
